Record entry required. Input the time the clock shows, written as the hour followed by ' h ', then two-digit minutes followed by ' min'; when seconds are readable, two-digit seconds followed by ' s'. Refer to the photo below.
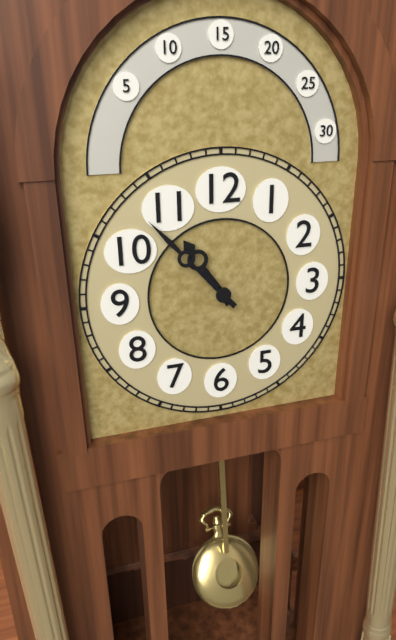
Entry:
10 h 53 min
